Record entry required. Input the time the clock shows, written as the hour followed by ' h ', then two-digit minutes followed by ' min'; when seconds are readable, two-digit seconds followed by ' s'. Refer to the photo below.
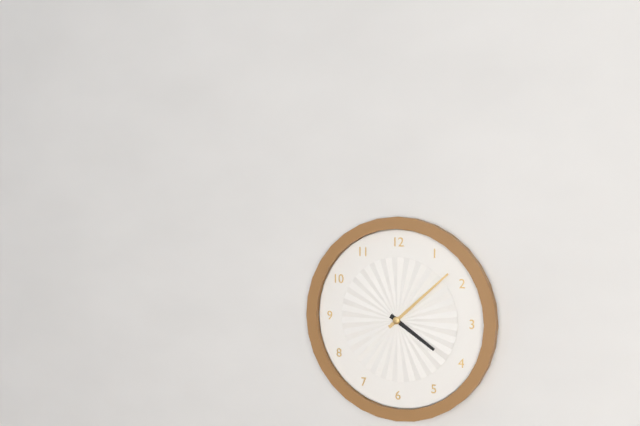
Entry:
4 h 08 min
